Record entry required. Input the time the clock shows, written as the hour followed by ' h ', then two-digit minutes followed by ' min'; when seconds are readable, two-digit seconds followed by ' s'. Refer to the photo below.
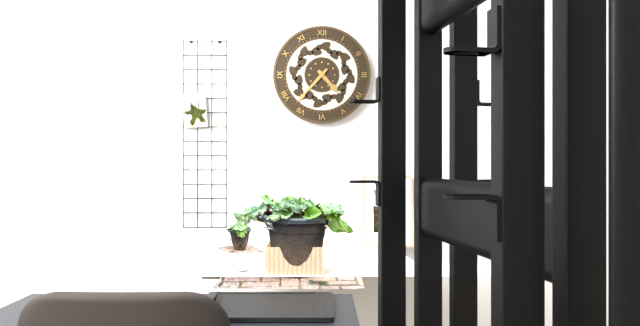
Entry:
4 h 37 min
